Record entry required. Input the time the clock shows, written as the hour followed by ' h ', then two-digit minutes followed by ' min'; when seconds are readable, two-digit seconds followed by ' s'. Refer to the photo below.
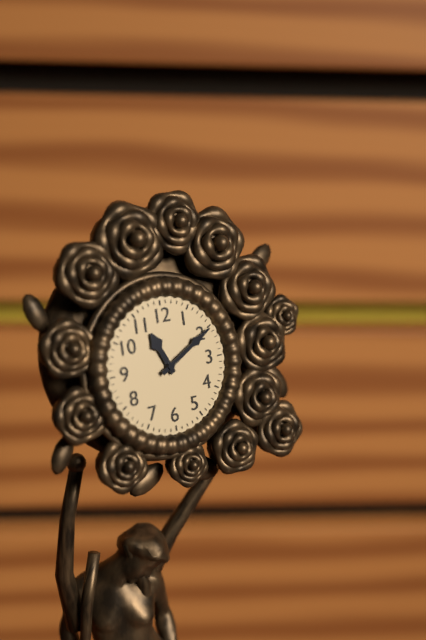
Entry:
11 h 10 min
